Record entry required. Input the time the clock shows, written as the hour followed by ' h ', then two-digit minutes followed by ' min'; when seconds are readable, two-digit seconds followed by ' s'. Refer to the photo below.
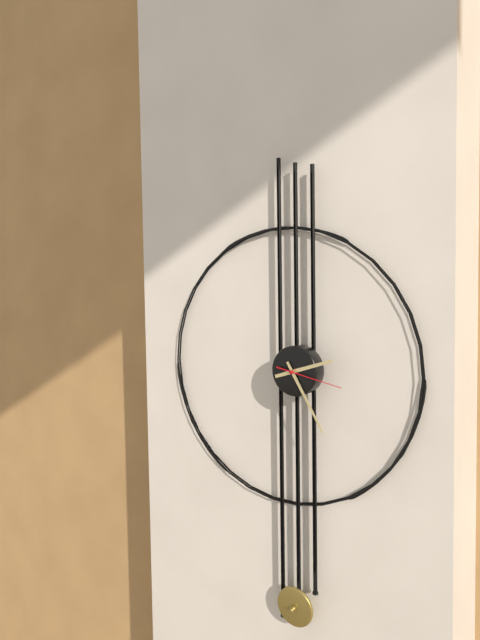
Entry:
2 h 25 min 17 s
